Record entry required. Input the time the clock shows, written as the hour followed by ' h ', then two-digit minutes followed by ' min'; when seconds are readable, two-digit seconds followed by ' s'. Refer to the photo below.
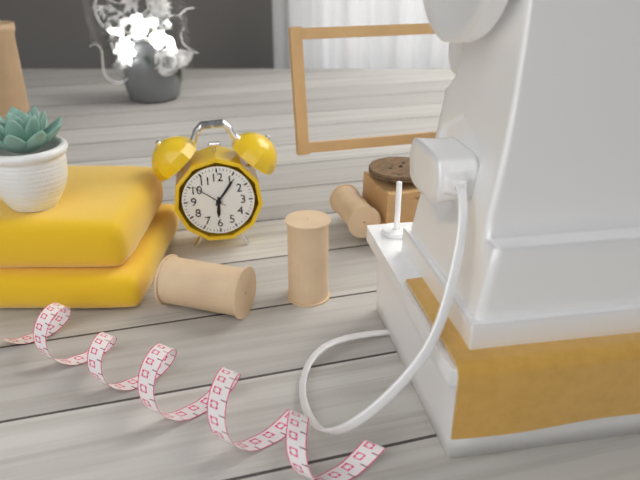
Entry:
6 h 06 min
